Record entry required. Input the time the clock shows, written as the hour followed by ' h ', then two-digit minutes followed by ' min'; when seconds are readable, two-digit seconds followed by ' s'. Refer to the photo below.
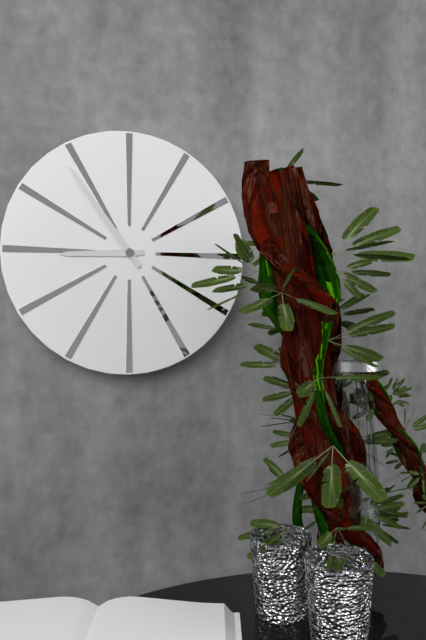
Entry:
8 h 54 min
